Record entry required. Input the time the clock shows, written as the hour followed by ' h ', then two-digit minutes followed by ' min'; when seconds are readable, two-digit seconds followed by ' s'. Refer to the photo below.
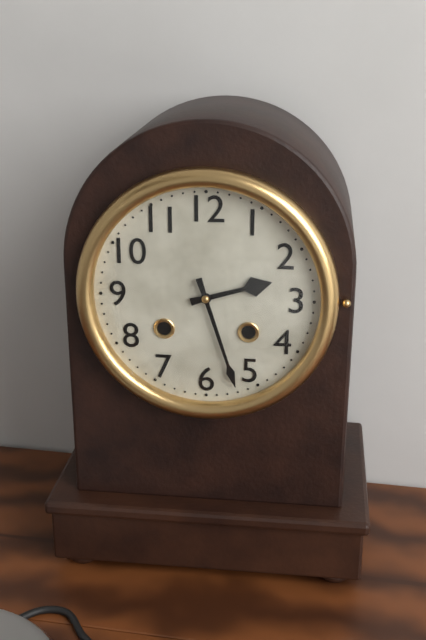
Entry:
2 h 27 min
